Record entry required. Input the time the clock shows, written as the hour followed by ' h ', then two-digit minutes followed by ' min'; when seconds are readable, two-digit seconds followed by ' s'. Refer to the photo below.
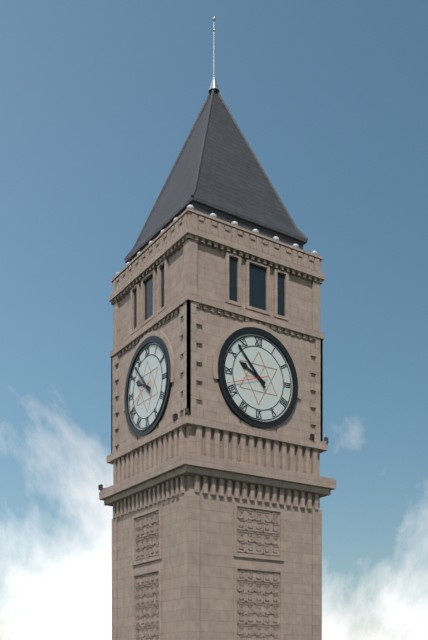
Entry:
9 h 53 min
